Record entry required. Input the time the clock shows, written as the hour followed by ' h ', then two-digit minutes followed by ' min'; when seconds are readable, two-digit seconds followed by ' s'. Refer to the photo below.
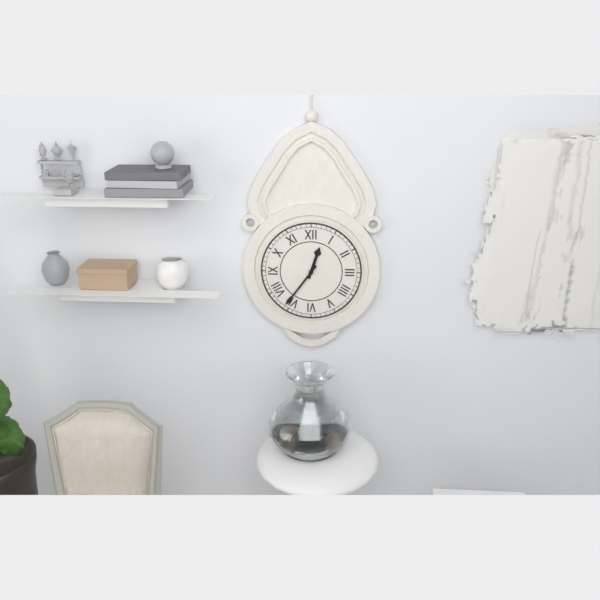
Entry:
12 h 36 min
